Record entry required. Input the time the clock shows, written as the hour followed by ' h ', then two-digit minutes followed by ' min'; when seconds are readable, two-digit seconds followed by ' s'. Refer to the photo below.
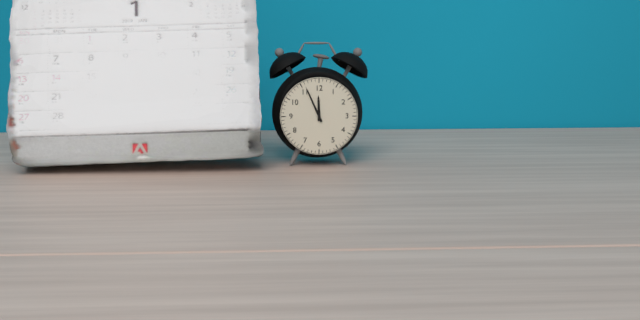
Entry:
11 h 56 min
